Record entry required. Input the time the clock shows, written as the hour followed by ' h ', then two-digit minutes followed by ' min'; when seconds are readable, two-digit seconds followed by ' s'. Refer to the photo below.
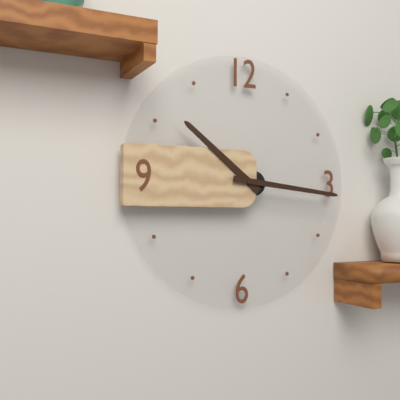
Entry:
10 h 16 min
